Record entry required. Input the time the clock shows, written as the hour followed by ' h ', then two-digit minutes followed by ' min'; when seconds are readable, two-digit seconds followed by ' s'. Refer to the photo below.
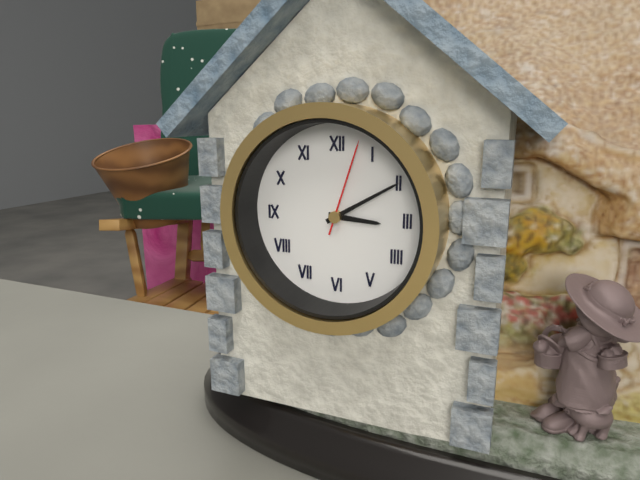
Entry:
3 h 10 min 03 s
